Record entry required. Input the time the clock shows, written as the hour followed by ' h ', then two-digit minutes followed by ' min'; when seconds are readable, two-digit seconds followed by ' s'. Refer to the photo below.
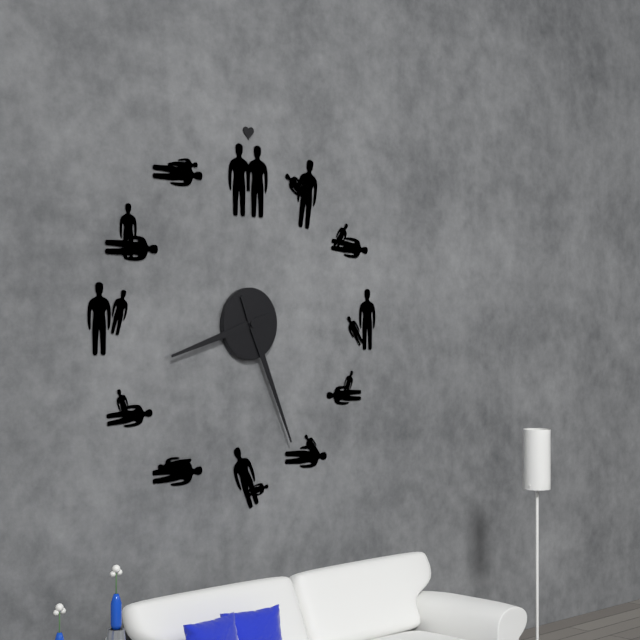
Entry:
8 h 26 min
